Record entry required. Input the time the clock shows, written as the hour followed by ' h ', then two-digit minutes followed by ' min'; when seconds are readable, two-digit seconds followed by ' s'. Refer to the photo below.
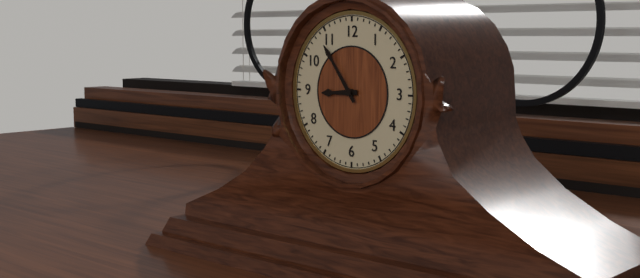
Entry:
8 h 54 min
